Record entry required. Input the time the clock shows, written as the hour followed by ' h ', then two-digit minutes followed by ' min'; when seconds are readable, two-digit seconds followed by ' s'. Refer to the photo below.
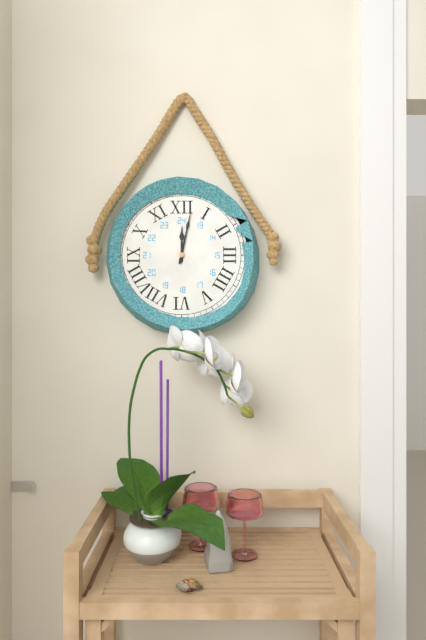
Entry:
12 h 02 min
